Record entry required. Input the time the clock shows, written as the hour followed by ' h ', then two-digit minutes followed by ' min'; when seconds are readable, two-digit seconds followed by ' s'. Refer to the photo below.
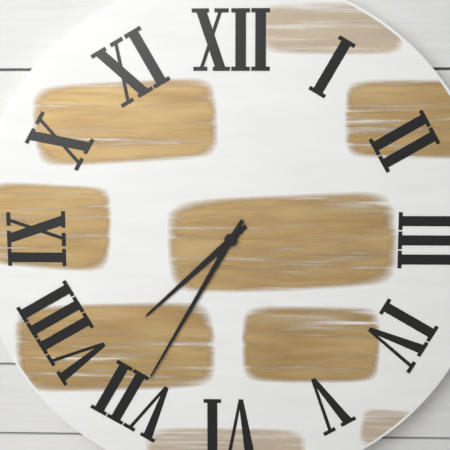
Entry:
7 h 35 min
